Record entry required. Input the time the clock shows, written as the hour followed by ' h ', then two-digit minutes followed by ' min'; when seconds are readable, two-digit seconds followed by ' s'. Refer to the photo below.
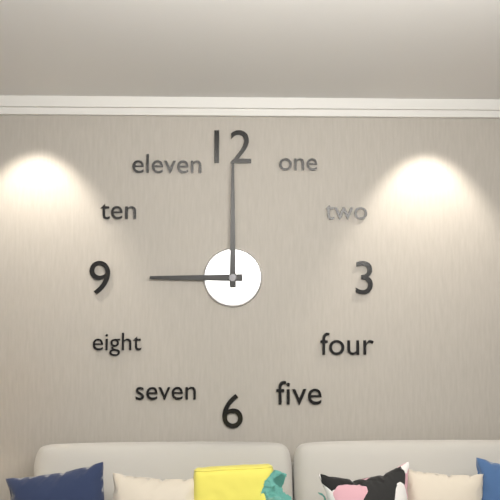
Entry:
9 h 00 min
